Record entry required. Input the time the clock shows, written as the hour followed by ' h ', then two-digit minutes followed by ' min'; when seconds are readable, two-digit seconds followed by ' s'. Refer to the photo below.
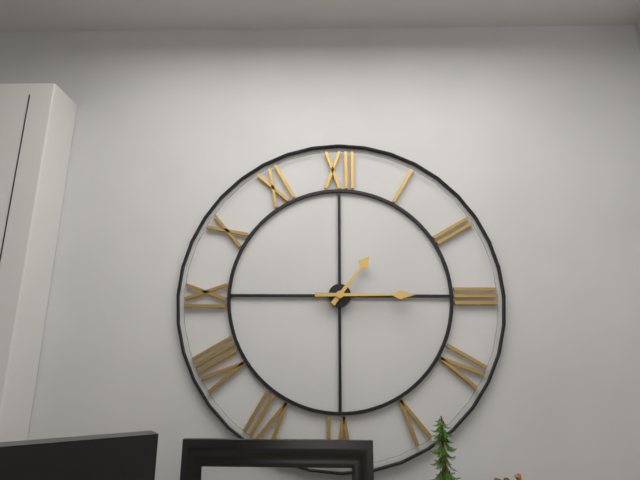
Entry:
1 h 15 min
